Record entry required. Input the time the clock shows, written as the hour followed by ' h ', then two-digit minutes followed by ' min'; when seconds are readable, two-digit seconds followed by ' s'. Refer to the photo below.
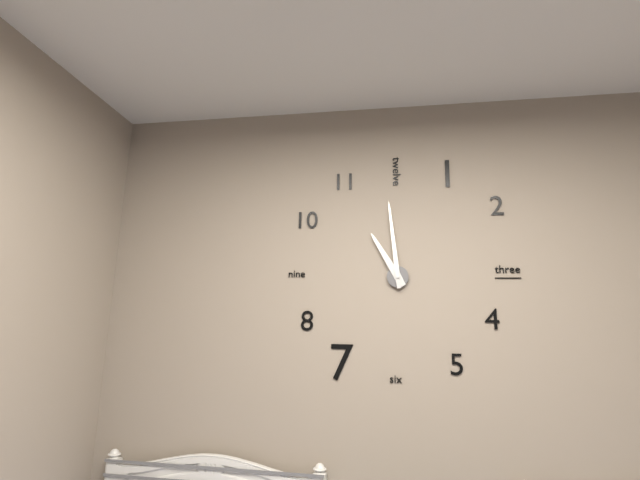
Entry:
10 h 59 min
